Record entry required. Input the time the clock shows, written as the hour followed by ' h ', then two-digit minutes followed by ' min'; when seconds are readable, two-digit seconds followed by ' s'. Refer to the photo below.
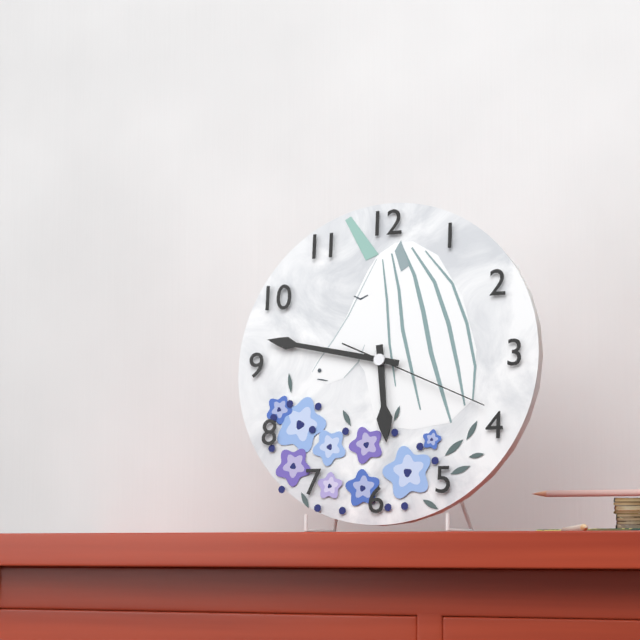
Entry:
5 h 47 min 19 s
